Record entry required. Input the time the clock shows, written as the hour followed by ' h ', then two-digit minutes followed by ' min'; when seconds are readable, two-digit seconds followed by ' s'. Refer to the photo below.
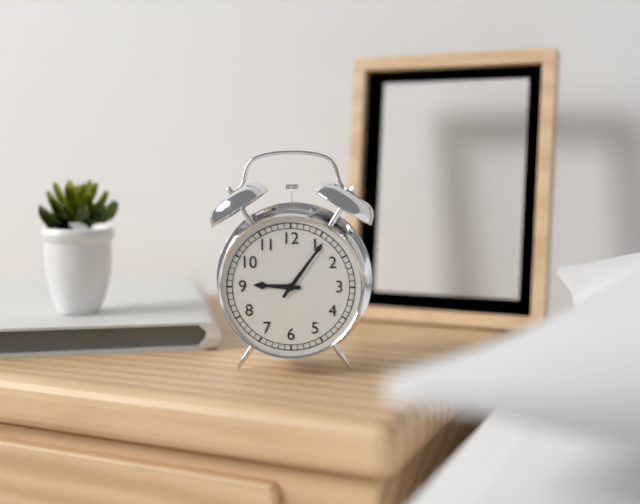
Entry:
9 h 06 min
